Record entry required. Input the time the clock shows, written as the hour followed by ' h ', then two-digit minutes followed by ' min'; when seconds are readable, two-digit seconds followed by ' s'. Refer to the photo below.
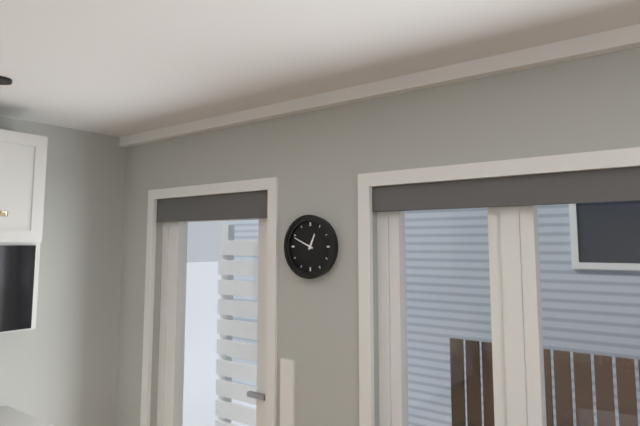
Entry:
12 h 49 min
